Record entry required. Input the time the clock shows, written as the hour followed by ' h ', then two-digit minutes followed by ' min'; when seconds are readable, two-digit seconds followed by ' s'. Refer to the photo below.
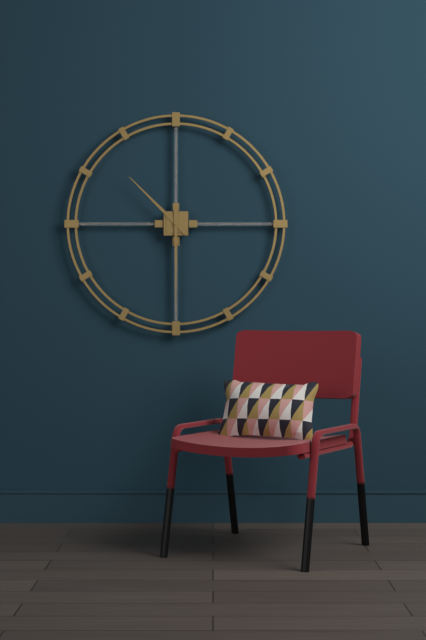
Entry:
10 h 30 min
